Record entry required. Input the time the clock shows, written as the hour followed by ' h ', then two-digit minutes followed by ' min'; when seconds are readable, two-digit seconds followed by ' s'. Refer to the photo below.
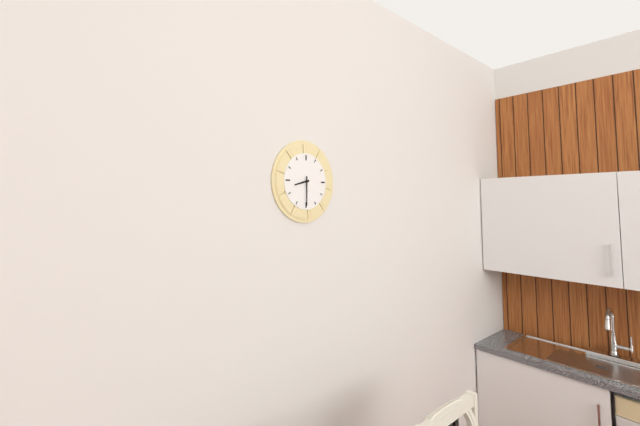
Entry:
8 h 30 min
